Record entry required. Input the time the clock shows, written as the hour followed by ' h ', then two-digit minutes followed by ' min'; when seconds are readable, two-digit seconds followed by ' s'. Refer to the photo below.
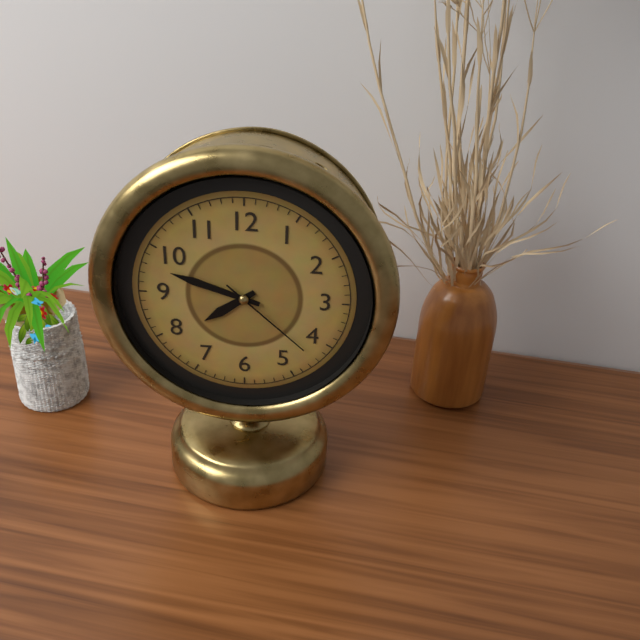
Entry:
7 h 48 min 22 s
